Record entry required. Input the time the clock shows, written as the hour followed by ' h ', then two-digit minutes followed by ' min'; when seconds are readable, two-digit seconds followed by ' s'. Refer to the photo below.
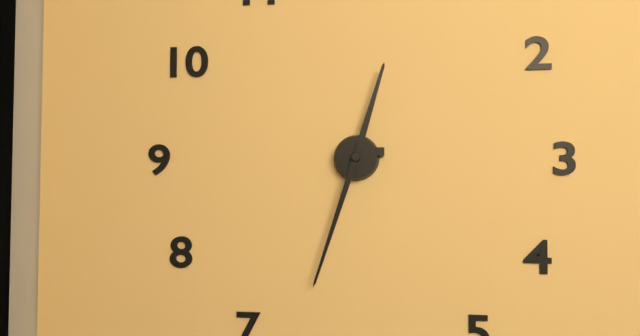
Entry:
12 h 33 min
